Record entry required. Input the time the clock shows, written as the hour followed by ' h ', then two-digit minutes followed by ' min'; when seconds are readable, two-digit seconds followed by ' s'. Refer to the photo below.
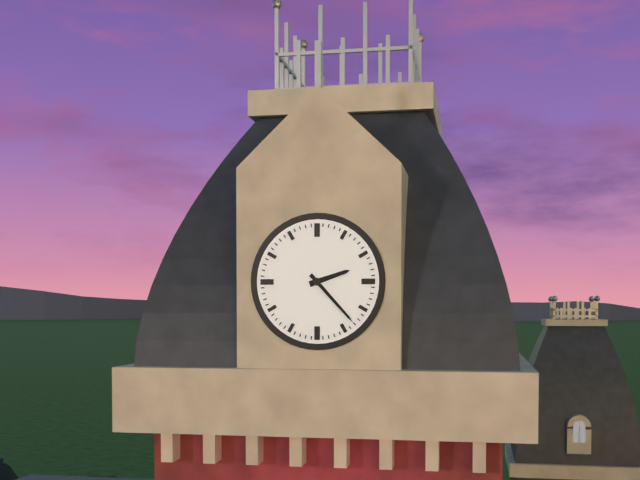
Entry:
2 h 23 min
